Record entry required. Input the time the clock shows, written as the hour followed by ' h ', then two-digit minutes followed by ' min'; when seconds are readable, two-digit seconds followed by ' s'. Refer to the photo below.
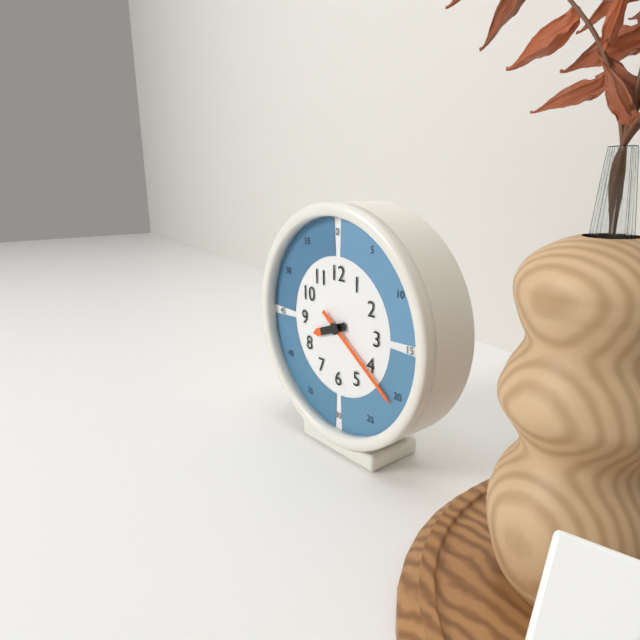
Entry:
8 h 21 min
